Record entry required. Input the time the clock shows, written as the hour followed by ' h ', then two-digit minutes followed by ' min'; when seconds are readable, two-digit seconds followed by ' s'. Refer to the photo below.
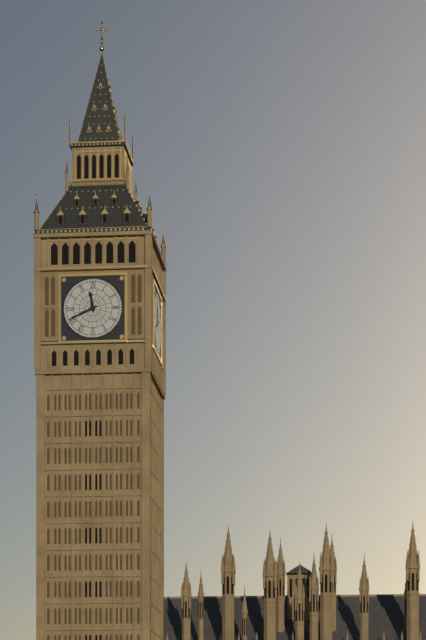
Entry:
11 h 41 min
